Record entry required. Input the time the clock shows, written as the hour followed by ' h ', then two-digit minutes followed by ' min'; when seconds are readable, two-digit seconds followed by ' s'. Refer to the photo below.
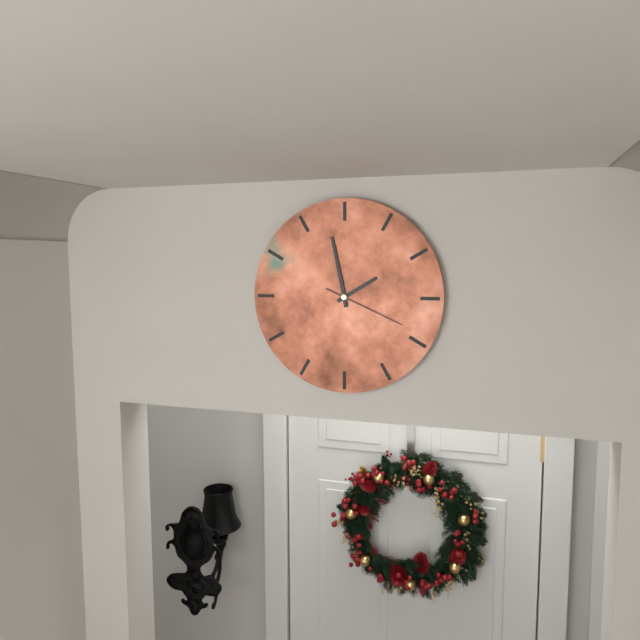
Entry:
1 h 58 min 19 s
